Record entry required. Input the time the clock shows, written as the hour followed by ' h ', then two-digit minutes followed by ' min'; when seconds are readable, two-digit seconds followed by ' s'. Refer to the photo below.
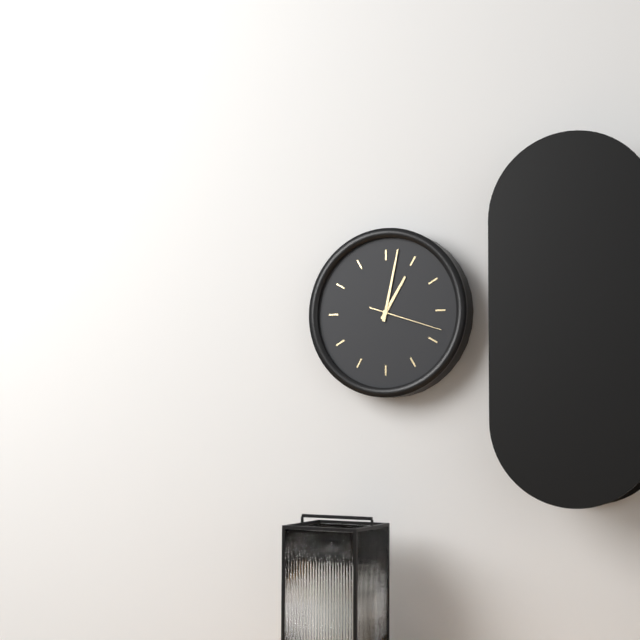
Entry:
1 h 02 min 18 s
